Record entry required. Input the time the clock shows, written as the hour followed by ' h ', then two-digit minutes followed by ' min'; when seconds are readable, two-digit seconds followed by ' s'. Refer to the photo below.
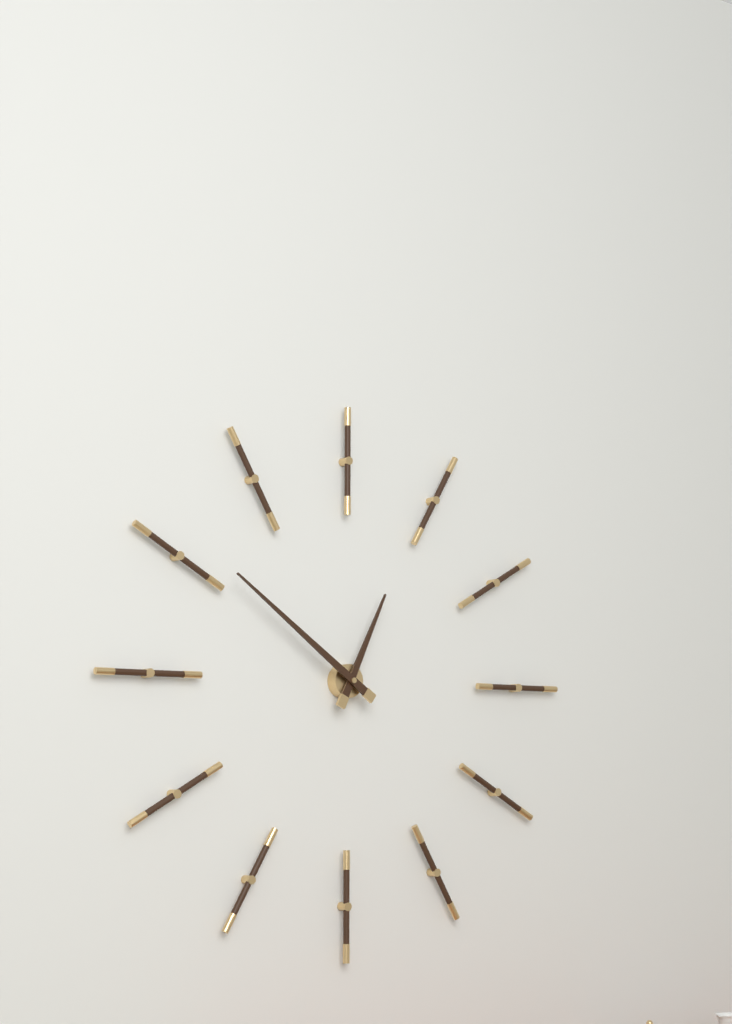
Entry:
12 h 51 min
